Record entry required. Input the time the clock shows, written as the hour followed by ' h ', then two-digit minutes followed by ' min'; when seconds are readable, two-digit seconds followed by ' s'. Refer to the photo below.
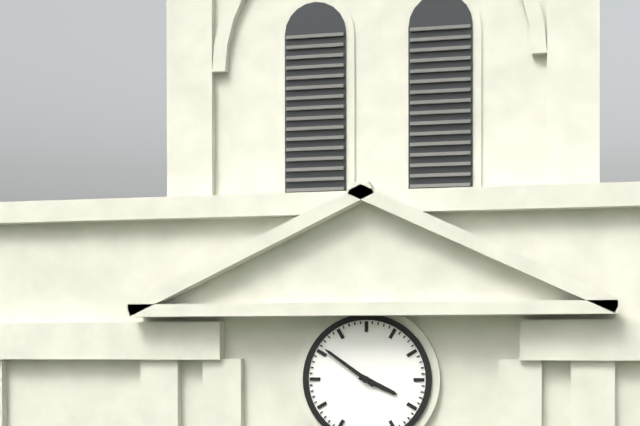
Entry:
3 h 51 min
